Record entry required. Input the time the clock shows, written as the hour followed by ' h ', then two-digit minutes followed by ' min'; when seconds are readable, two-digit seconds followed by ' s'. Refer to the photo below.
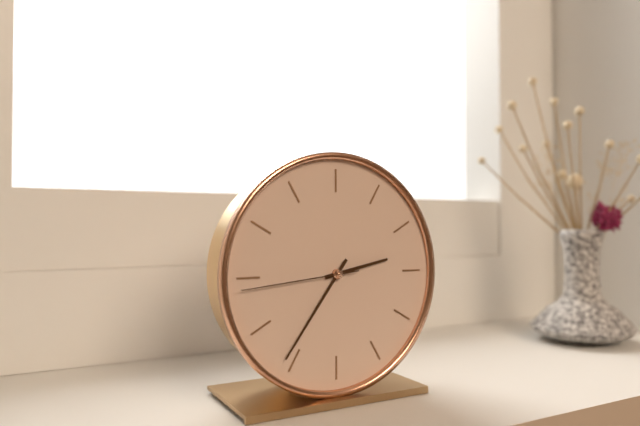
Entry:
2 h 36 min 44 s
